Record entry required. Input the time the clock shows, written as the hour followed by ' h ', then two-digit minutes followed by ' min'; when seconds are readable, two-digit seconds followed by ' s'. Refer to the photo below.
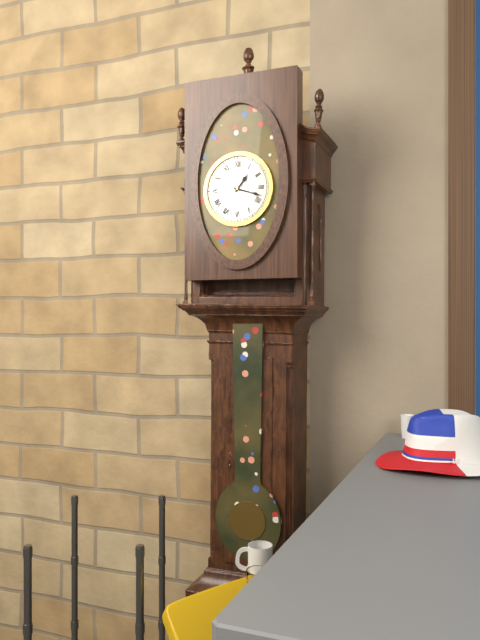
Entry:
1 h 18 min
